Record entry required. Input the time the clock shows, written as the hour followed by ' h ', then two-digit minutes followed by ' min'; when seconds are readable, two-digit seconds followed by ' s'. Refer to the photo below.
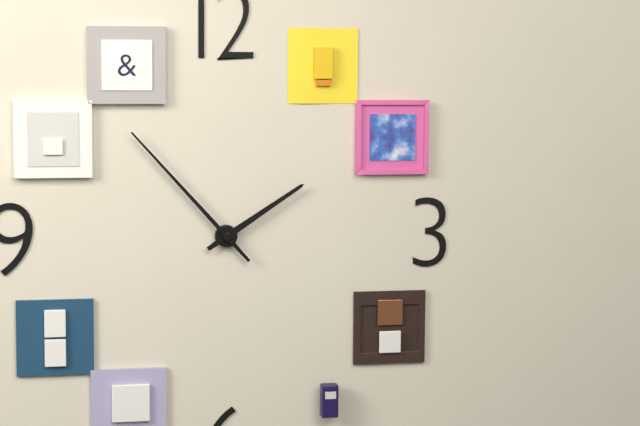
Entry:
1 h 53 min
